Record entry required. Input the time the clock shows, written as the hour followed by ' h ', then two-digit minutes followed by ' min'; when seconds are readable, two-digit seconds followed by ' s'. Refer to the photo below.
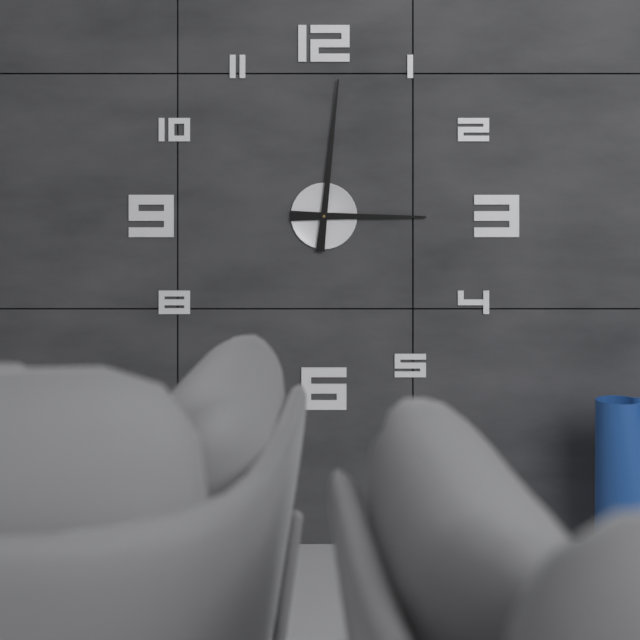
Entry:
3 h 01 min
